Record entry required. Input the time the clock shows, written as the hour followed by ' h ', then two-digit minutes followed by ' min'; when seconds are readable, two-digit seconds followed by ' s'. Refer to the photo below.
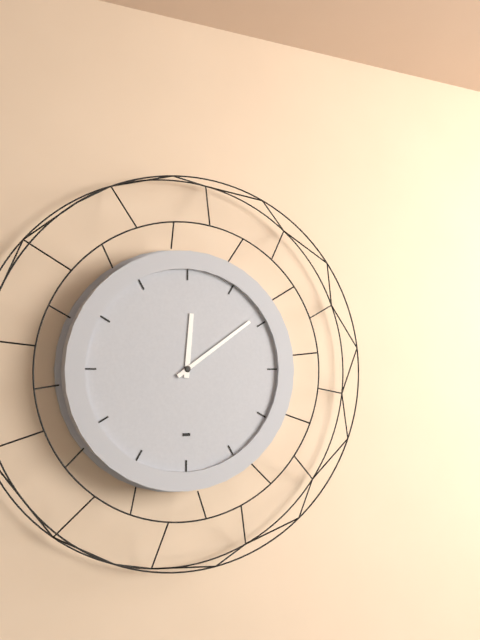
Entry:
12 h 09 min
